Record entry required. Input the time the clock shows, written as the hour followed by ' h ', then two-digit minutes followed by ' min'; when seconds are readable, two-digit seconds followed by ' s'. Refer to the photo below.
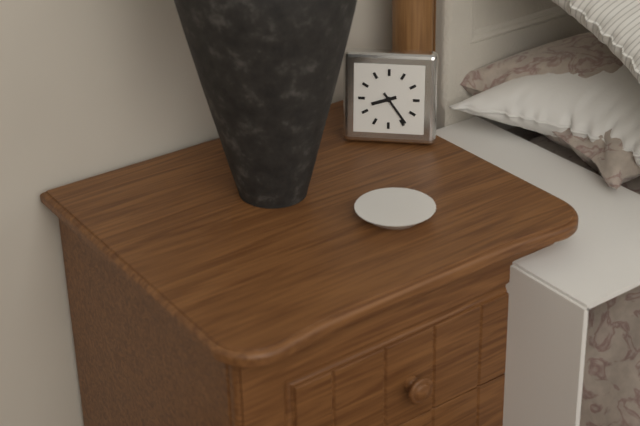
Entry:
8 h 24 min
